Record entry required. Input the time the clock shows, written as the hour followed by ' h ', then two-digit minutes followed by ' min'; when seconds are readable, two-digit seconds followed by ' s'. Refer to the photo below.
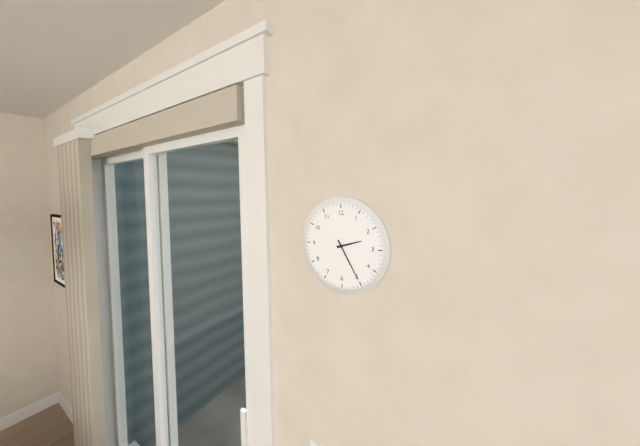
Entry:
2 h 25 min
